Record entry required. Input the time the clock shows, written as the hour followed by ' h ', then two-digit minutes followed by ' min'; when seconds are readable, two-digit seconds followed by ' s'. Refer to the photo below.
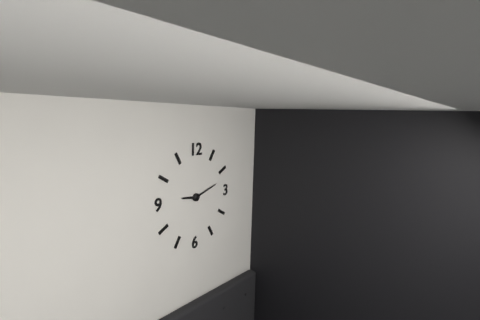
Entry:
9 h 12 min
